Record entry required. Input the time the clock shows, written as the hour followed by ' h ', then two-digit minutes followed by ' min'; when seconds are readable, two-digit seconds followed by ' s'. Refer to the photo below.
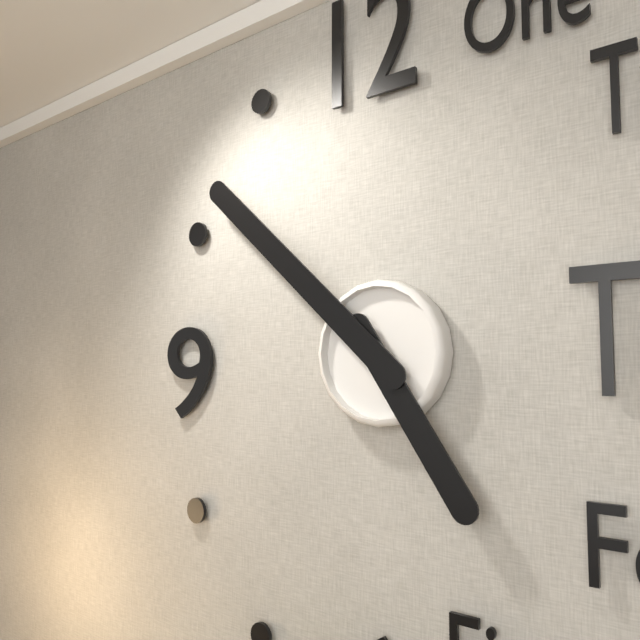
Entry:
4 h 52 min
